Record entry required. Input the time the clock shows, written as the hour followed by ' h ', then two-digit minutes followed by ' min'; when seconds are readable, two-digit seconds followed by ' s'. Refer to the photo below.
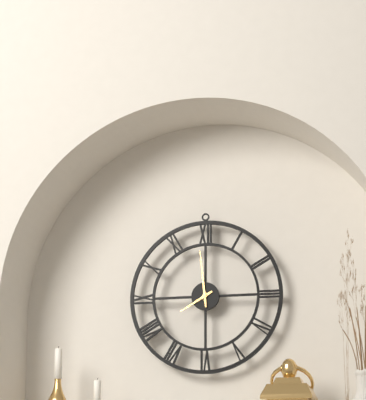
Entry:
7 h 59 min
